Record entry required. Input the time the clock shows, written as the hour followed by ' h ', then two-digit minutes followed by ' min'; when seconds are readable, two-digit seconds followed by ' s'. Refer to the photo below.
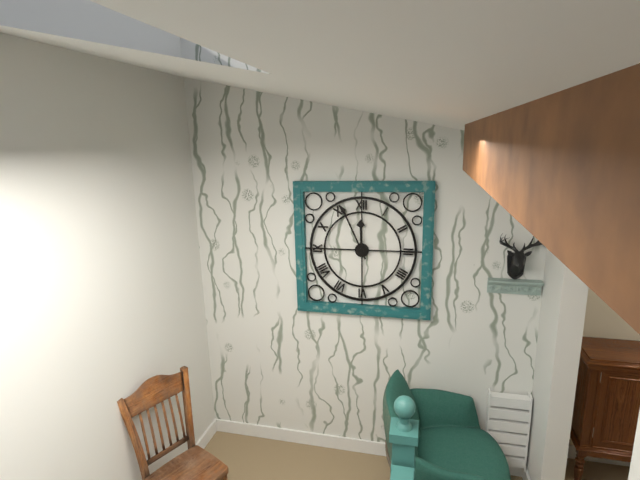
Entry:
11 h 56 min
